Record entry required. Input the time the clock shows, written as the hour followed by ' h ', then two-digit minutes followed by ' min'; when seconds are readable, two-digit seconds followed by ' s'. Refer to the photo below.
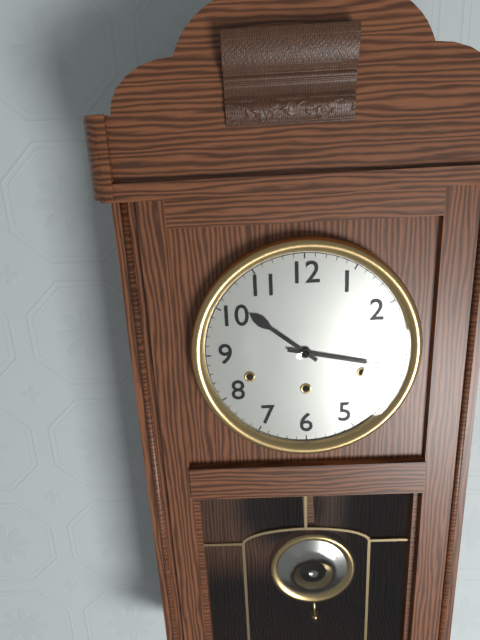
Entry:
10 h 17 min
